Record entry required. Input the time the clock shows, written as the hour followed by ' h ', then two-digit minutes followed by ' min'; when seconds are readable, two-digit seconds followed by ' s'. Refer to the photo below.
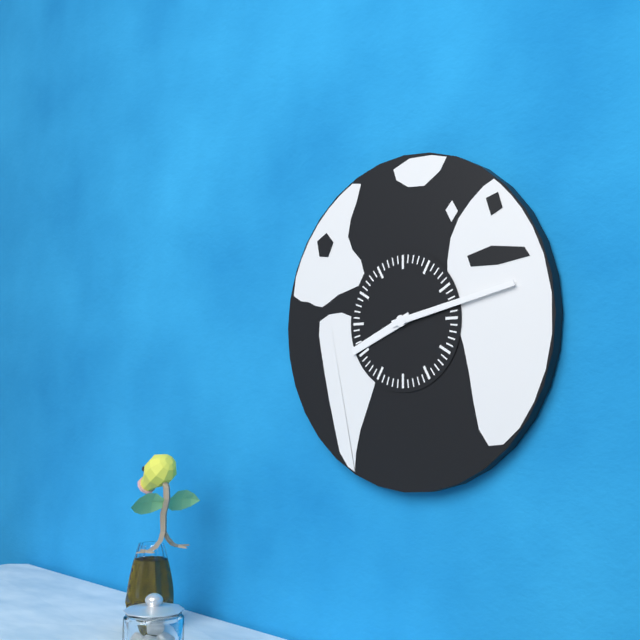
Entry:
8 h 13 min
